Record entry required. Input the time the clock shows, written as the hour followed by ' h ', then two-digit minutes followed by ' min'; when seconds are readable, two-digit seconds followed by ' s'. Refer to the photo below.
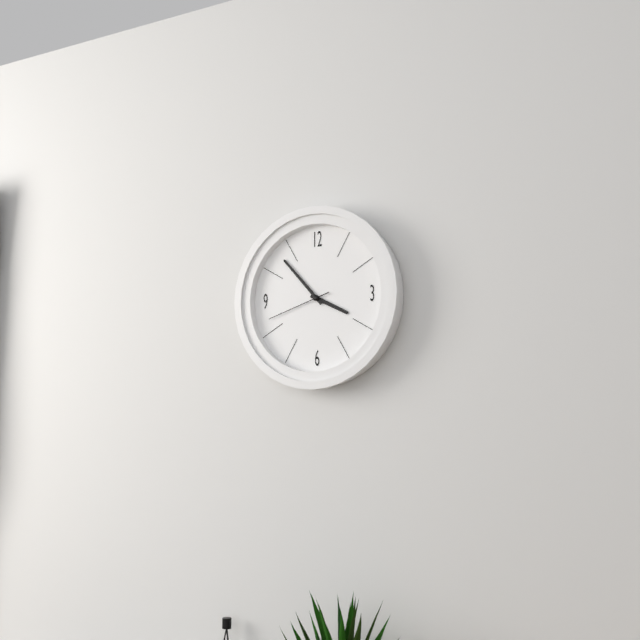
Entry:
3 h 53 min 42 s
